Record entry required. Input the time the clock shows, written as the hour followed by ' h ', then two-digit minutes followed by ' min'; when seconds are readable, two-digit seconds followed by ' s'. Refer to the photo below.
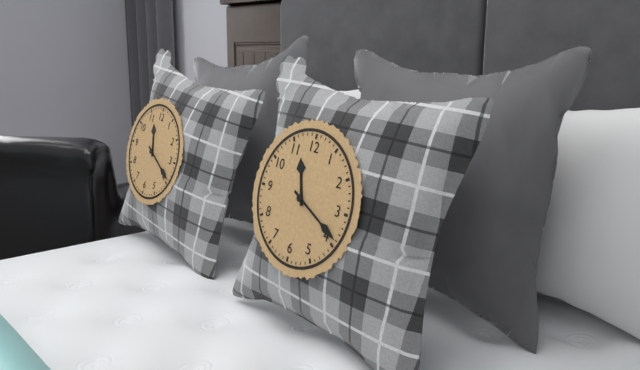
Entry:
11 h 19 min
